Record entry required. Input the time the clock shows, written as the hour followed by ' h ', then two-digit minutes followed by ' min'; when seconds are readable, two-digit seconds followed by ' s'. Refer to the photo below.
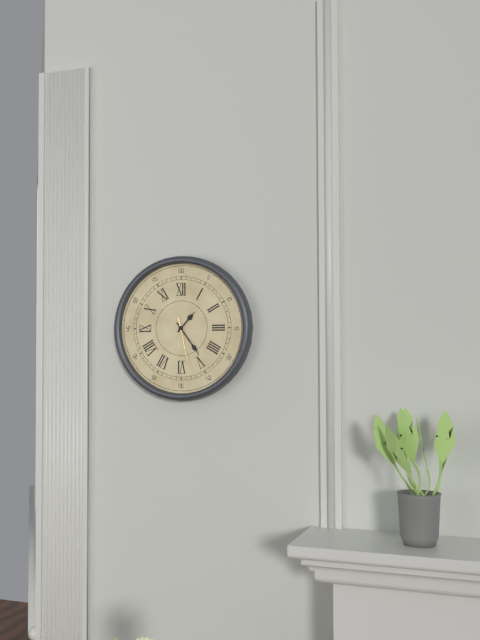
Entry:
1 h 24 min
